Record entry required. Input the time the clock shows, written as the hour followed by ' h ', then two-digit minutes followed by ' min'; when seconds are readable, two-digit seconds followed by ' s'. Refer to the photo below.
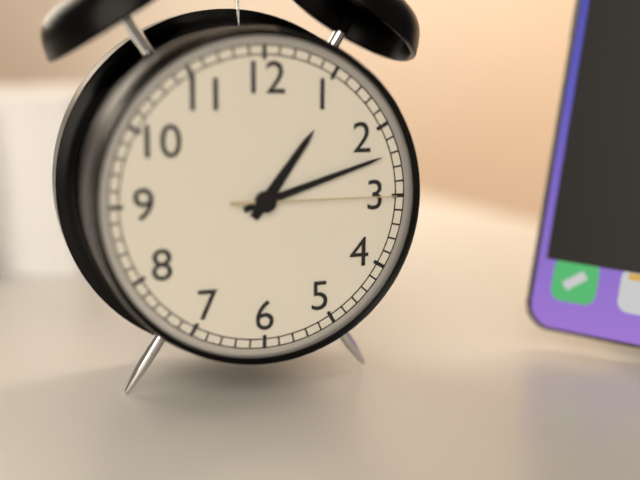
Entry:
1 h 12 min 15 s
